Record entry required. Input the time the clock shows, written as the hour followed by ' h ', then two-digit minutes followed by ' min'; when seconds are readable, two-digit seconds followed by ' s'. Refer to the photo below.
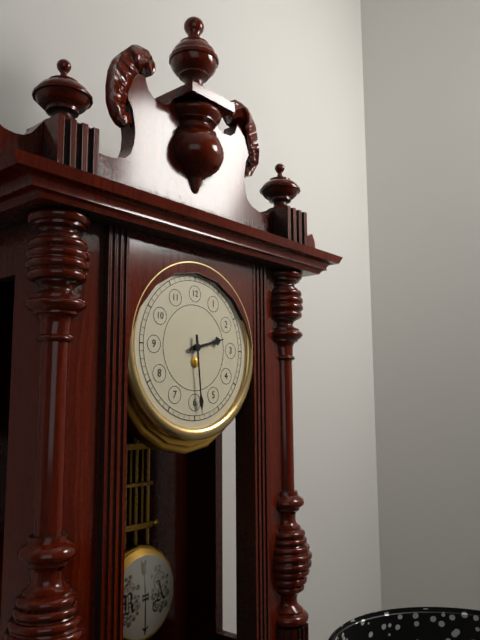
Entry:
2 h 29 min
